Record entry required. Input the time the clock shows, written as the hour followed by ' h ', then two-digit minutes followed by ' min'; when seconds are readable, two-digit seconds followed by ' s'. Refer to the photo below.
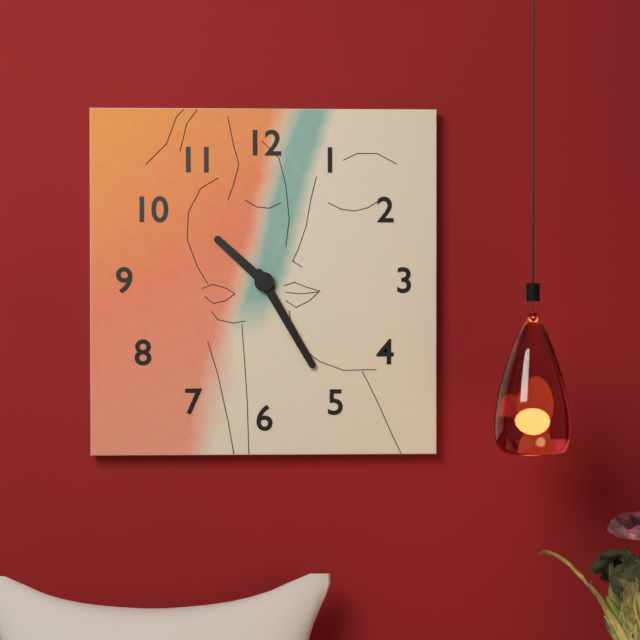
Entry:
10 h 25 min
